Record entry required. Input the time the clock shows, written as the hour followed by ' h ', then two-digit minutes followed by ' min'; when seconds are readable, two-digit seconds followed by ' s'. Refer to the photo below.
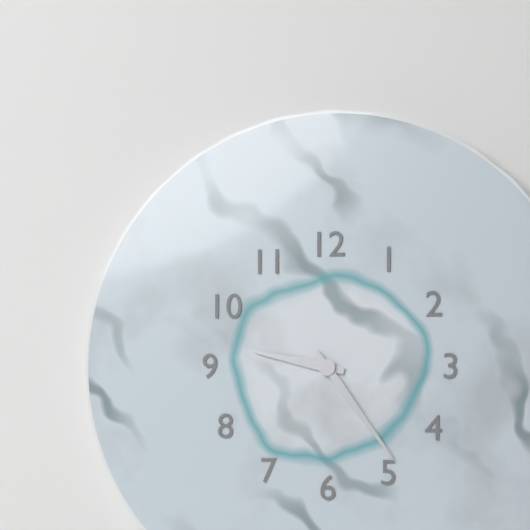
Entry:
9 h 24 min
